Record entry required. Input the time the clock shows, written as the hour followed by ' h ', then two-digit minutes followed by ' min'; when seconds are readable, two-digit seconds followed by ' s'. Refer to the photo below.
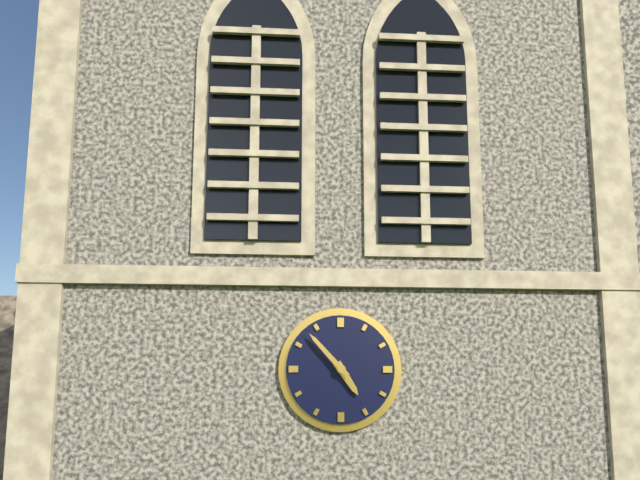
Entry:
4 h 53 min
